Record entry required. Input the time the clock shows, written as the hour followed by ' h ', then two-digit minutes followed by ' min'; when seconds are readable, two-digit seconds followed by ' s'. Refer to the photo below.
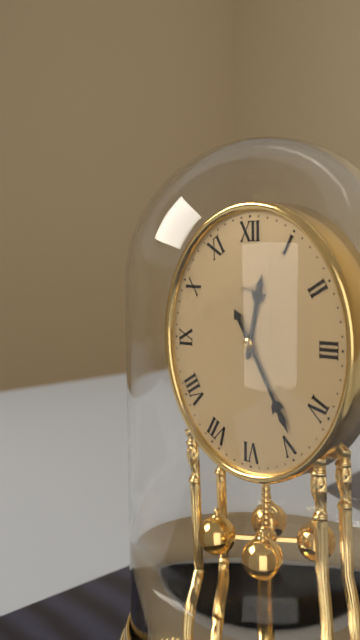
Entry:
12 h 25 min
